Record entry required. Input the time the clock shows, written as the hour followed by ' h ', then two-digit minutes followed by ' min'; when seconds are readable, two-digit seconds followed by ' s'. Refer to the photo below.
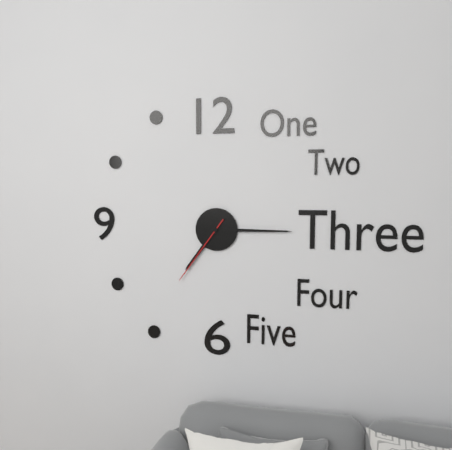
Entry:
7 h 15 min 36 s
